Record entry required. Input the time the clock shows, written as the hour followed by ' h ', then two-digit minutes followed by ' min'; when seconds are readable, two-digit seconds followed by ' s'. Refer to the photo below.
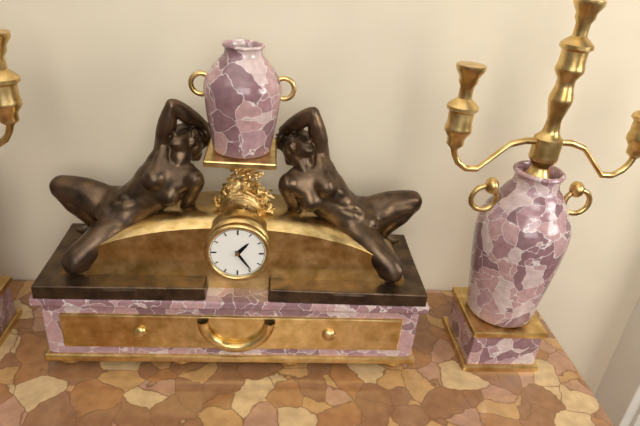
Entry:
1 h 24 min
